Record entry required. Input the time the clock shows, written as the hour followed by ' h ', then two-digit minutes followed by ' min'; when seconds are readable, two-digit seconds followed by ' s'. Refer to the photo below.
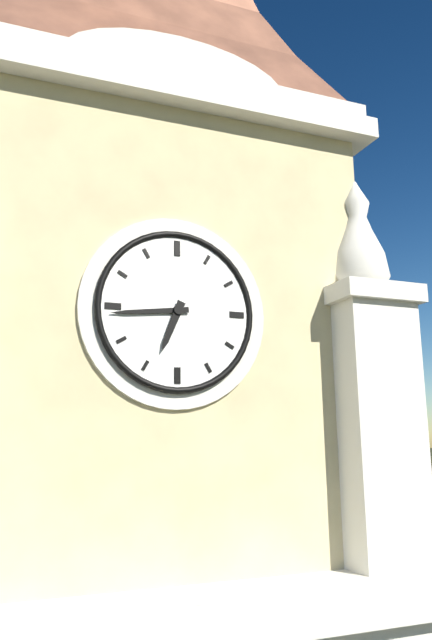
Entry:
6 h 44 min
